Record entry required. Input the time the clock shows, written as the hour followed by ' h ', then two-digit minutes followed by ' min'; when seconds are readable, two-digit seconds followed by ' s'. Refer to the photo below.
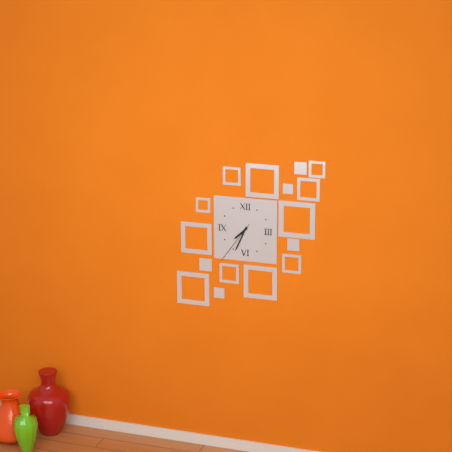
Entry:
7 h 34 min 36 s
